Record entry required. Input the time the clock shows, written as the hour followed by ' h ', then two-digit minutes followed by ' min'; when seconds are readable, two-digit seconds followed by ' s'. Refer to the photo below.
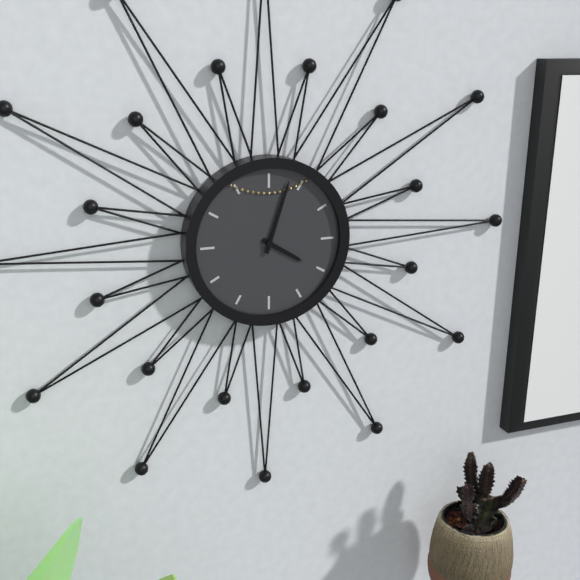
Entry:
4 h 03 min
